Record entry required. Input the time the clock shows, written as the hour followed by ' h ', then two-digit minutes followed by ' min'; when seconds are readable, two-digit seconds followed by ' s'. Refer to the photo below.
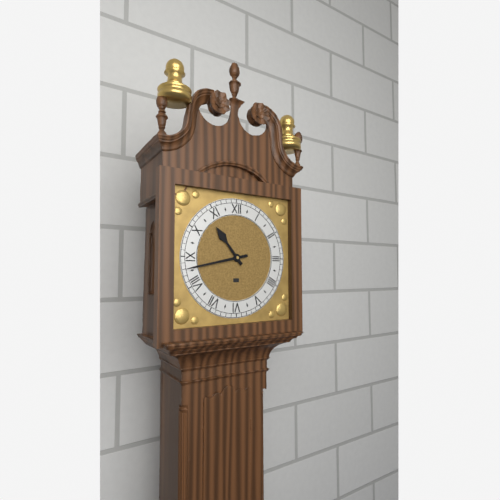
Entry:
10 h 43 min
